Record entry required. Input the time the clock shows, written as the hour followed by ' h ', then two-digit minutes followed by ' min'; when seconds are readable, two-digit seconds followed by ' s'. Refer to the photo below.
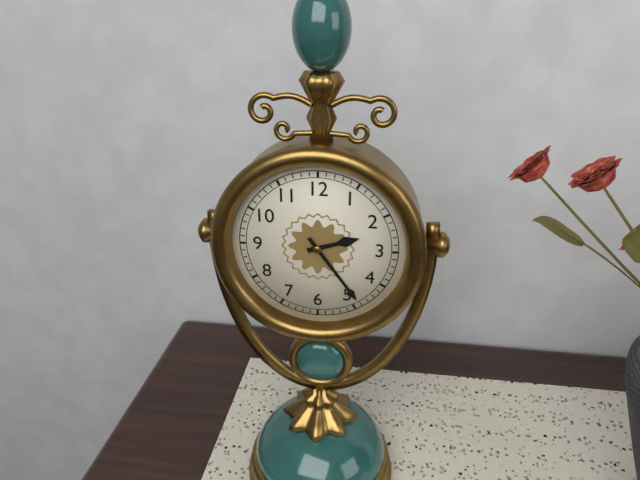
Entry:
2 h 24 min
